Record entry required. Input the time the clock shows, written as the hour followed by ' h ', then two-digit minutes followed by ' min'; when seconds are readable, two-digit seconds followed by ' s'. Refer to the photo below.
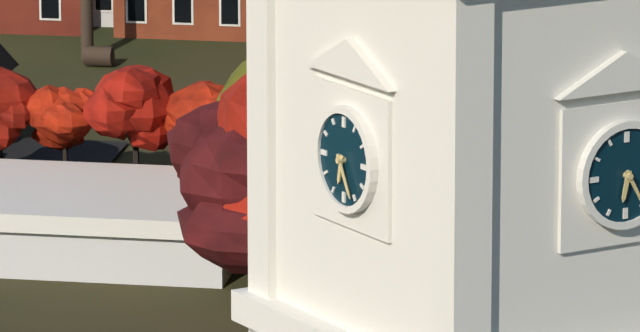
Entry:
6 h 25 min
